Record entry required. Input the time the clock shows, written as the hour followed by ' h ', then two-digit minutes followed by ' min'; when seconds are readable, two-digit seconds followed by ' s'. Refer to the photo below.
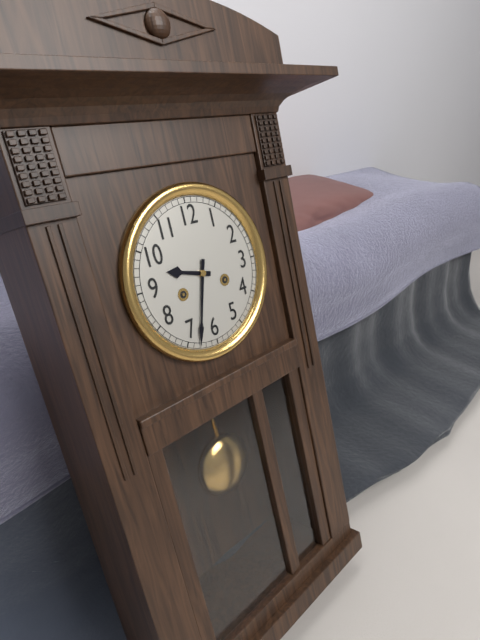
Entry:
9 h 33 min
